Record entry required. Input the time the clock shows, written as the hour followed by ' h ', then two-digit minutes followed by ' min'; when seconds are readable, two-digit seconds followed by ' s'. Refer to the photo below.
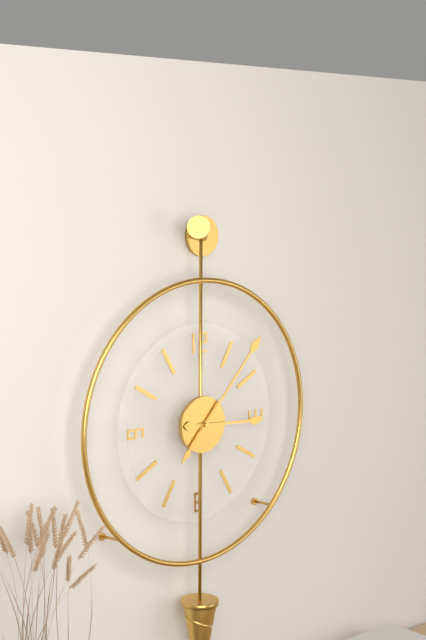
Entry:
3 h 07 min
